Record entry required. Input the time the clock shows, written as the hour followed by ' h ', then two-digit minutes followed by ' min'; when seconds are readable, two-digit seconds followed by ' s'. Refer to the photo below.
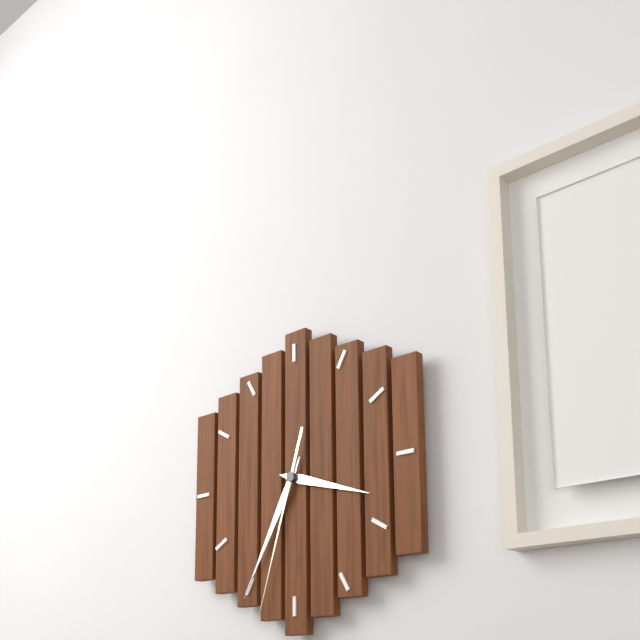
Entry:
3 h 35 min 33 s
